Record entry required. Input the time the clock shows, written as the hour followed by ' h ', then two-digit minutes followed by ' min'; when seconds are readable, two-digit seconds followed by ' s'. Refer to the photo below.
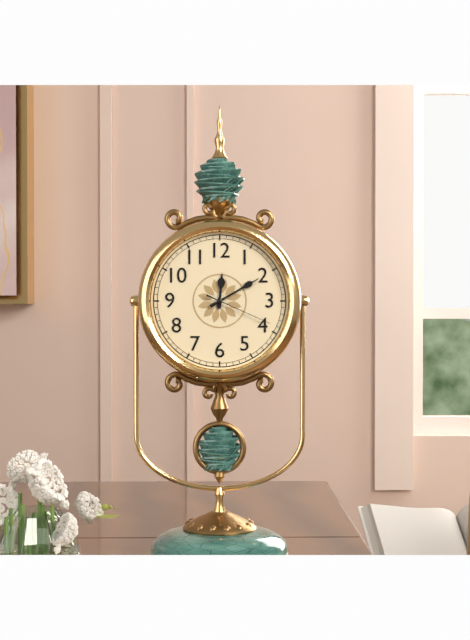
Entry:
12 h 10 min 19 s
